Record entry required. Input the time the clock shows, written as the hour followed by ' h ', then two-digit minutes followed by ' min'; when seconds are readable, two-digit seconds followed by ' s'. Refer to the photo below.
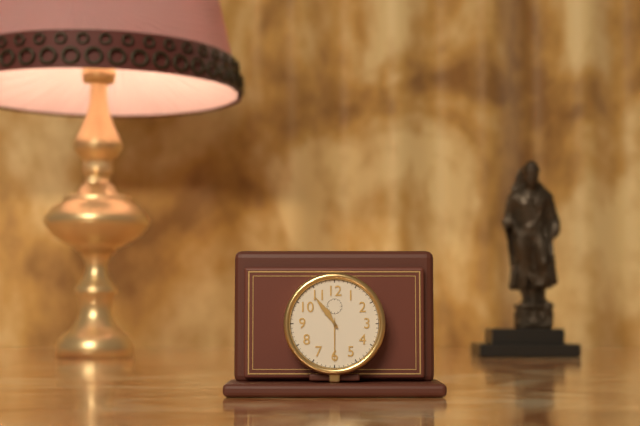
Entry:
10 h 54 min
